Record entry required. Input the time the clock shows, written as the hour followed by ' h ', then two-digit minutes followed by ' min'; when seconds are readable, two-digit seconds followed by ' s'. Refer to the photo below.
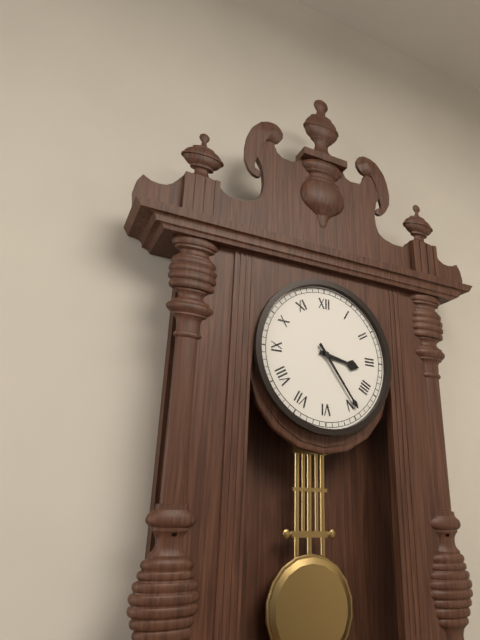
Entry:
3 h 24 min
